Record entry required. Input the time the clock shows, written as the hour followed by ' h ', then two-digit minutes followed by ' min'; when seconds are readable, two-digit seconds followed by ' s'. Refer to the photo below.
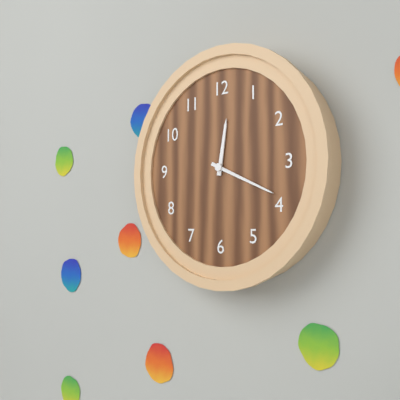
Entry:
12 h 19 min
